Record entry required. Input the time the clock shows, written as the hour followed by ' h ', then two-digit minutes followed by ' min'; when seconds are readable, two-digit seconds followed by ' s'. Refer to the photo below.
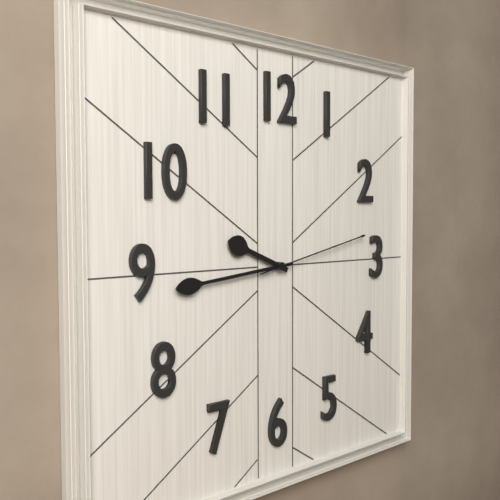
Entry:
9 h 44 min 13 s
